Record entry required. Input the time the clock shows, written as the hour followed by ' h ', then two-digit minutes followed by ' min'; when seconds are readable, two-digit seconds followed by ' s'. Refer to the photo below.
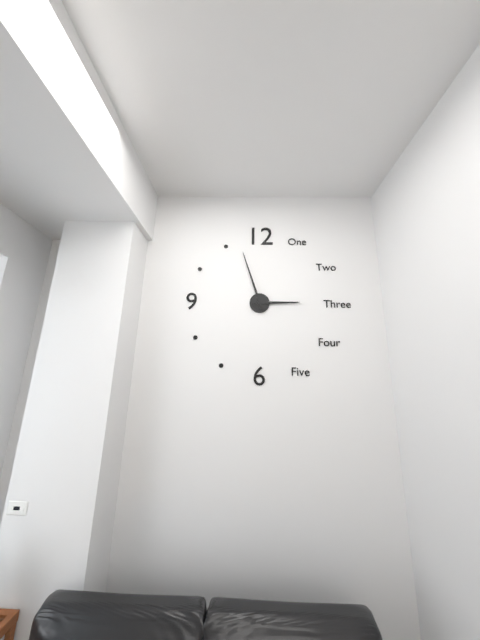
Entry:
2 h 57 min
